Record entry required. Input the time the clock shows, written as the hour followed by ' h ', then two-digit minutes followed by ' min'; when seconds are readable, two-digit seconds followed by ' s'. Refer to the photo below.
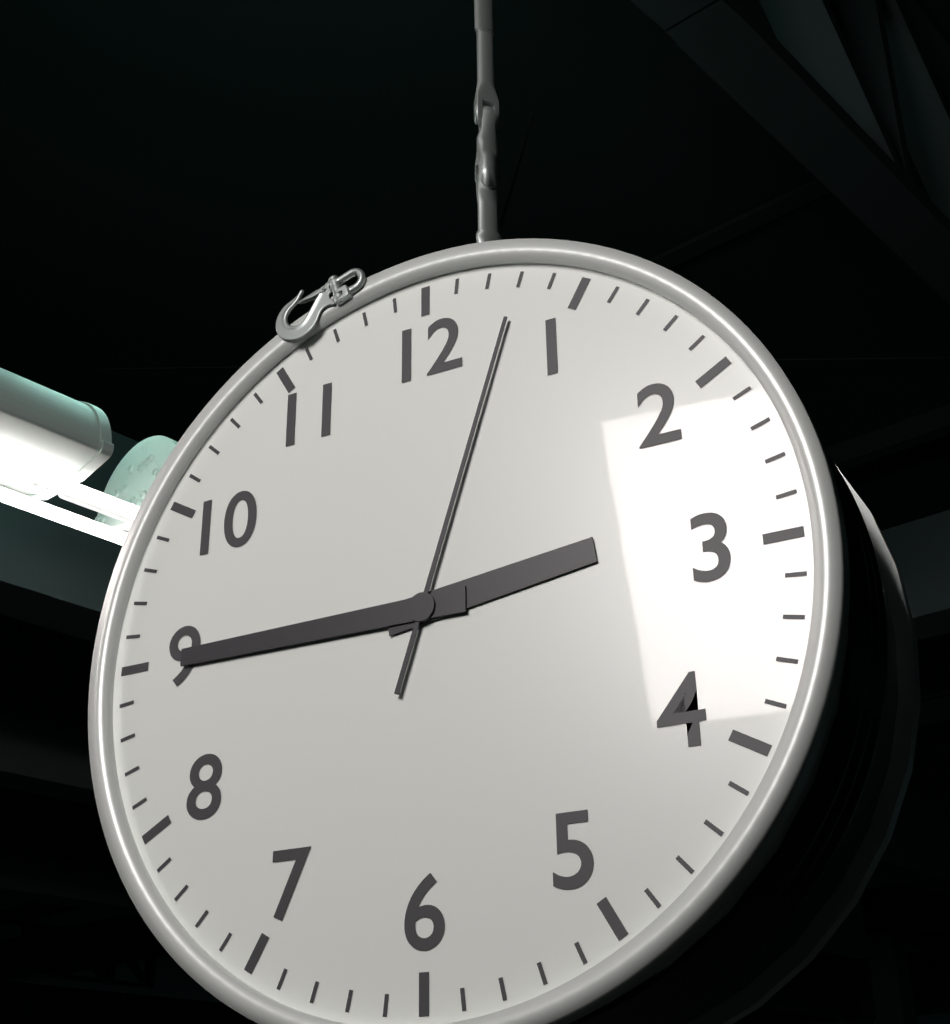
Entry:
2 h 45 min 03 s
